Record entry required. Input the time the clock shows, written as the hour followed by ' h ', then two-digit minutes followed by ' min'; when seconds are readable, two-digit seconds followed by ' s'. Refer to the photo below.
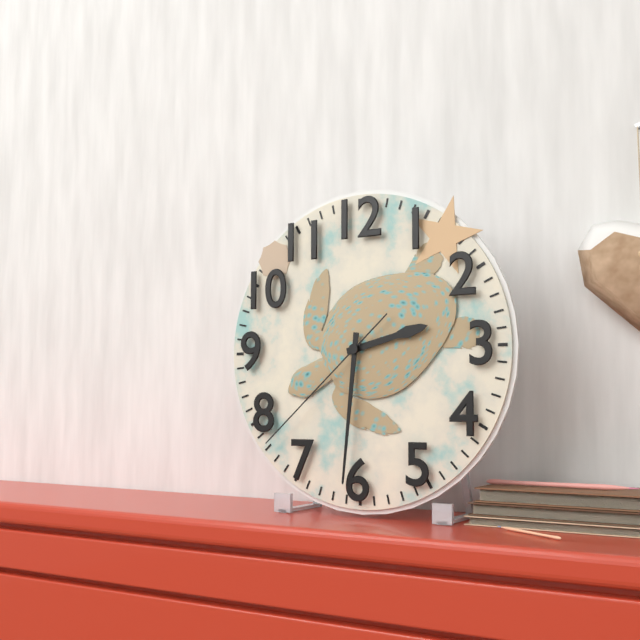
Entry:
2 h 31 min 38 s
